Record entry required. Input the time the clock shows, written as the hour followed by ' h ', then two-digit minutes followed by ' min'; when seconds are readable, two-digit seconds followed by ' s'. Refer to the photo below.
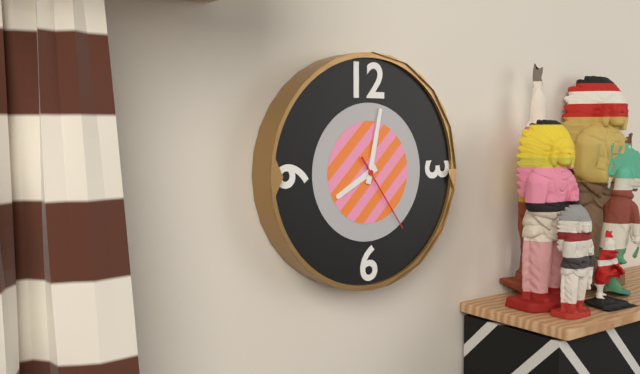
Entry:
8 h 02 min 24 s
